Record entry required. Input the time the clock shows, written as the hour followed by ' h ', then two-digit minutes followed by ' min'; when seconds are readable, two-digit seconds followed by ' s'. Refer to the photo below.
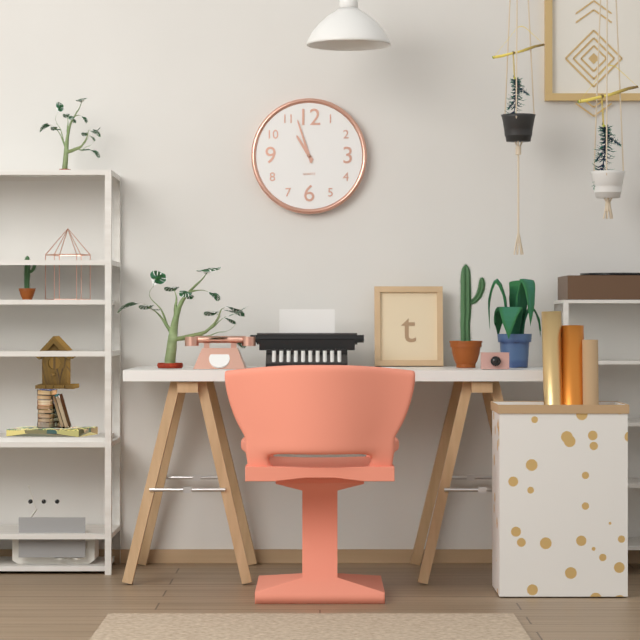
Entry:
10 h 57 min
